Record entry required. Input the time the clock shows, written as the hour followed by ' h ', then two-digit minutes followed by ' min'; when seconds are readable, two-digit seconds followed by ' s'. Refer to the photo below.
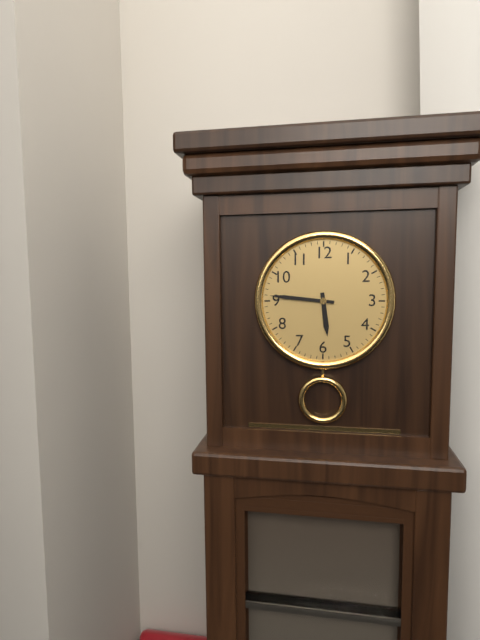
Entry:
5 h 46 min
